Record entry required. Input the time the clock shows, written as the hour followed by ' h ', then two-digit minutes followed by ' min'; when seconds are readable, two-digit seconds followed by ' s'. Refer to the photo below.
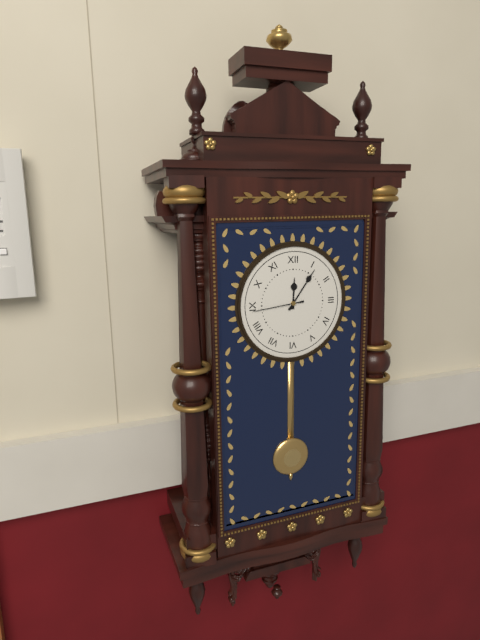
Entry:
12 h 06 min 44 s
